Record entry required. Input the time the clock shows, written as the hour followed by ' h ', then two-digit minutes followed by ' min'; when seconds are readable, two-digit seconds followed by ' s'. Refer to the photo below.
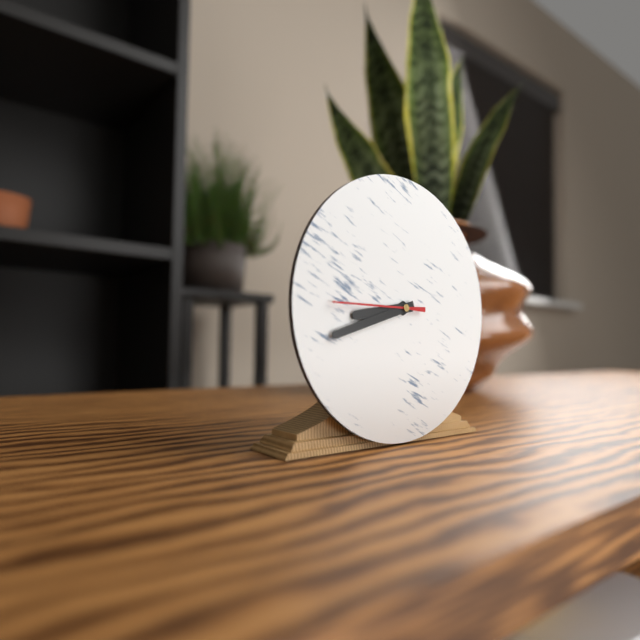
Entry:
8 h 42 min 45 s
